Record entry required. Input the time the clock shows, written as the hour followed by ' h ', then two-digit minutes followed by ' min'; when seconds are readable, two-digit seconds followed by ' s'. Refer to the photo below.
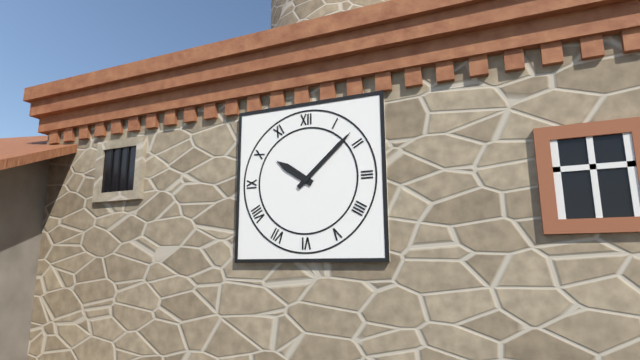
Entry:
10 h 08 min
